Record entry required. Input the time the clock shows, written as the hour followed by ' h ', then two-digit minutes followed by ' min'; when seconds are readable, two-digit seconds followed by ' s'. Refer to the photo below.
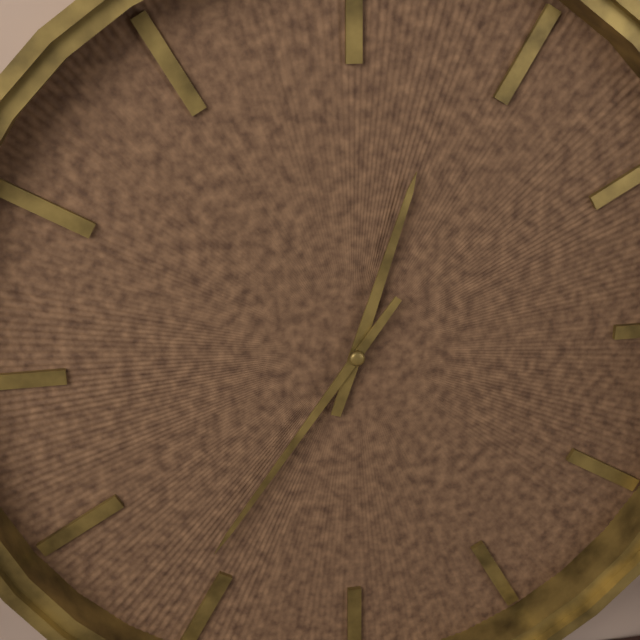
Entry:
12 h 36 min
